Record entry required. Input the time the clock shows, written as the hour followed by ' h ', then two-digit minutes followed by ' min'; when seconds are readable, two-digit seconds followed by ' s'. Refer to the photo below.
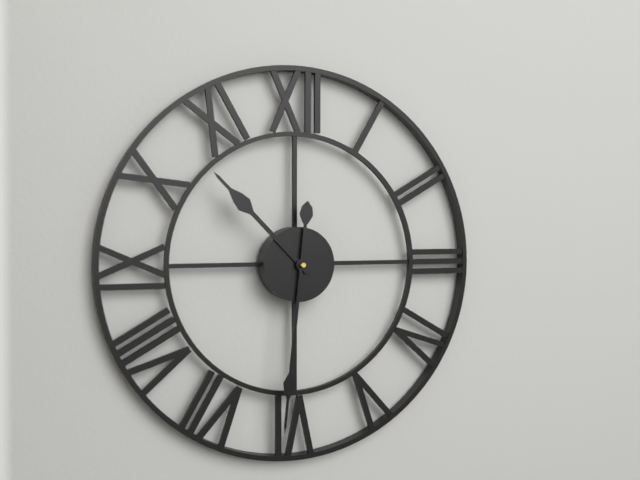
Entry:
10 h 31 min
